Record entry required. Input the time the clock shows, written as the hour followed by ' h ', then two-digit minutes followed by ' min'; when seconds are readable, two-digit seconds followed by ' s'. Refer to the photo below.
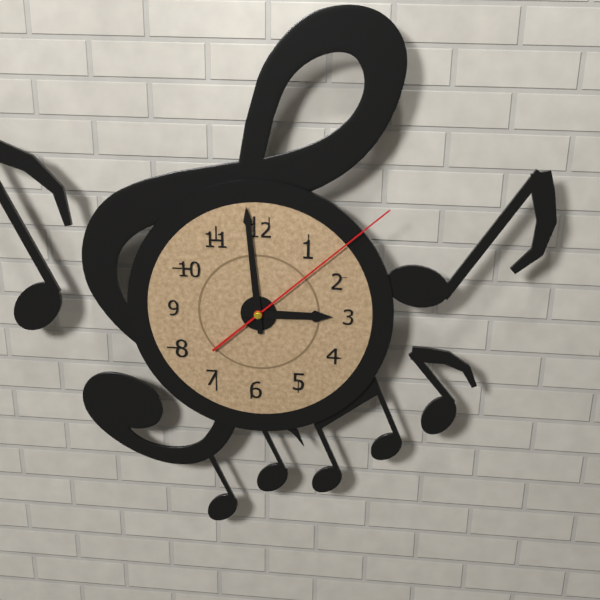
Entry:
2 h 59 min 08 s
